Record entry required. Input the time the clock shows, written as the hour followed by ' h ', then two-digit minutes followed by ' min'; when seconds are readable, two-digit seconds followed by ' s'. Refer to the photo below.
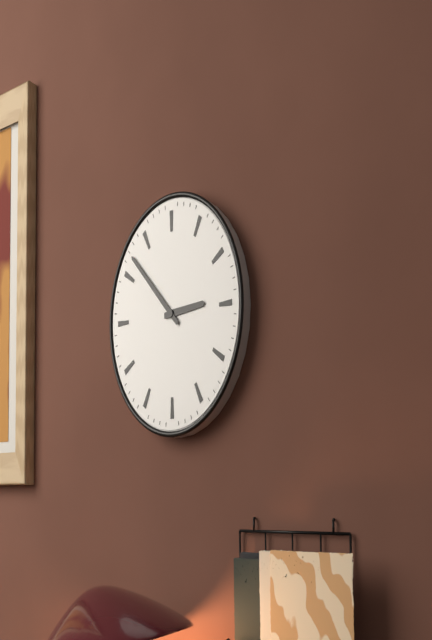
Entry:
2 h 52 min
